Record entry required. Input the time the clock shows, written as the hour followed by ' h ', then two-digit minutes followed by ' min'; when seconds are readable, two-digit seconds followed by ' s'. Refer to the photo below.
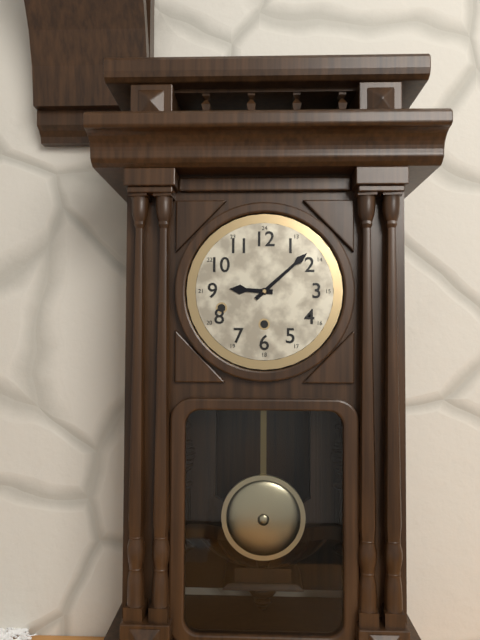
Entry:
9 h 08 min
